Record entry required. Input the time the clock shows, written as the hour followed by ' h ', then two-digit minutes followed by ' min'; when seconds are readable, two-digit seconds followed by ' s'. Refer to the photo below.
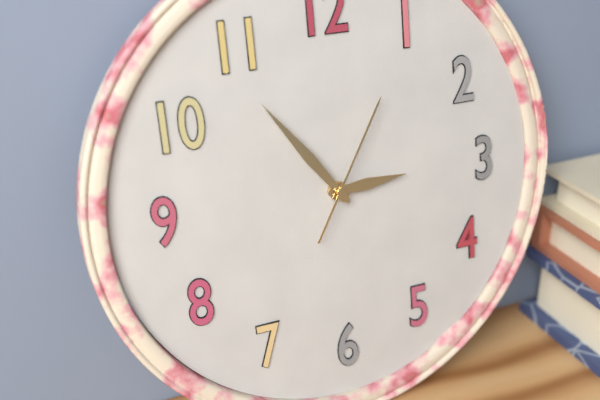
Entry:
2 h 54 min 05 s
